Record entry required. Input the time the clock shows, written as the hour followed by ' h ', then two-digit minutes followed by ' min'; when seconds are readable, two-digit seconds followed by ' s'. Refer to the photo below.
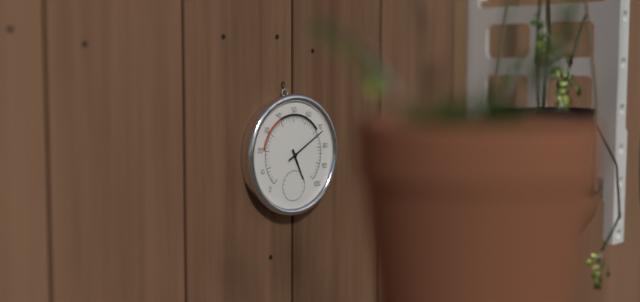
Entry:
5 h 10 min
